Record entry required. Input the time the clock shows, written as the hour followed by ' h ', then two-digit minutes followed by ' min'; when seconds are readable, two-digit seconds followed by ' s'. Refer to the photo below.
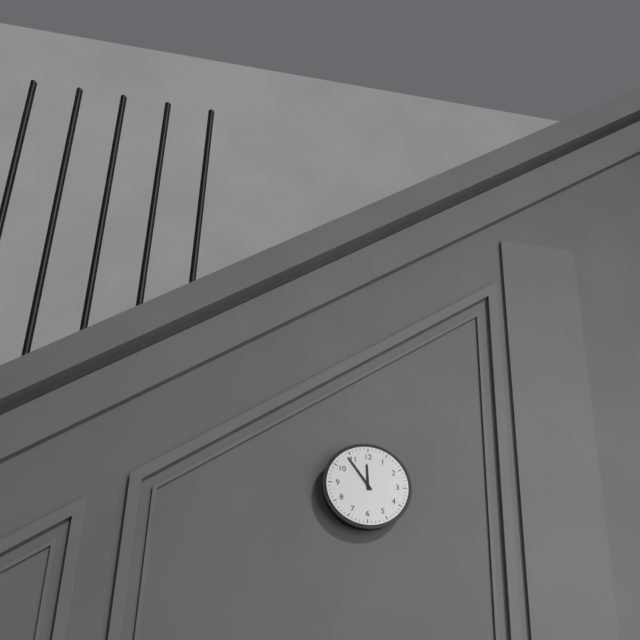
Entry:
11 h 54 min
